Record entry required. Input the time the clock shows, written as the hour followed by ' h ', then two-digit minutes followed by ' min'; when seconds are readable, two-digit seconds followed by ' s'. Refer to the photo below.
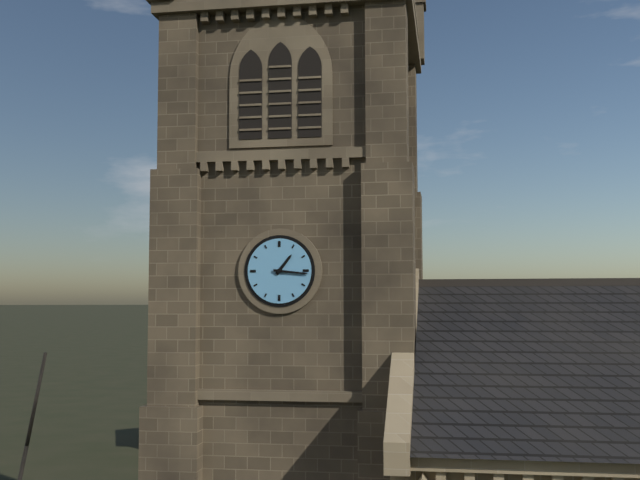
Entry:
1 h 16 min
